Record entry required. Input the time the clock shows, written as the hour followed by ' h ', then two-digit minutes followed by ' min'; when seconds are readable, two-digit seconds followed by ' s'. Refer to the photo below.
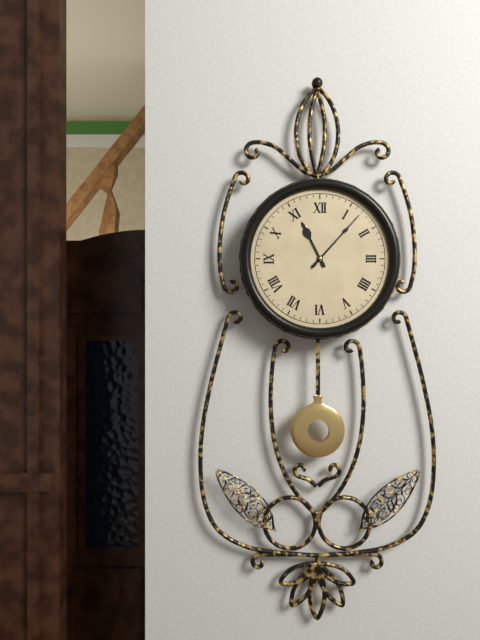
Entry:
11 h 07 min
